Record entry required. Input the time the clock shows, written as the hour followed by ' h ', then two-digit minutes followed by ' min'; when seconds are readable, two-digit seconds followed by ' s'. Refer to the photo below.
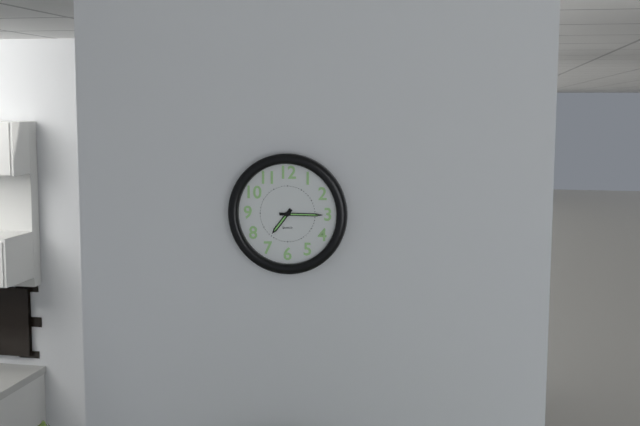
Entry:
7 h 15 min
